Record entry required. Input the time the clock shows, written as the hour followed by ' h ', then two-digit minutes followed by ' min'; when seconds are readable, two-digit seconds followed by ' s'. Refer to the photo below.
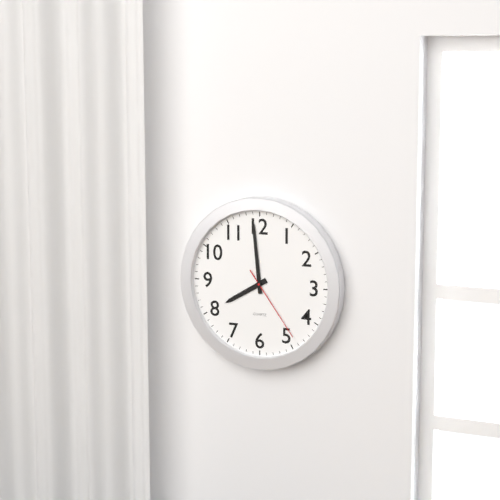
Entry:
7 h 59 min 24 s
